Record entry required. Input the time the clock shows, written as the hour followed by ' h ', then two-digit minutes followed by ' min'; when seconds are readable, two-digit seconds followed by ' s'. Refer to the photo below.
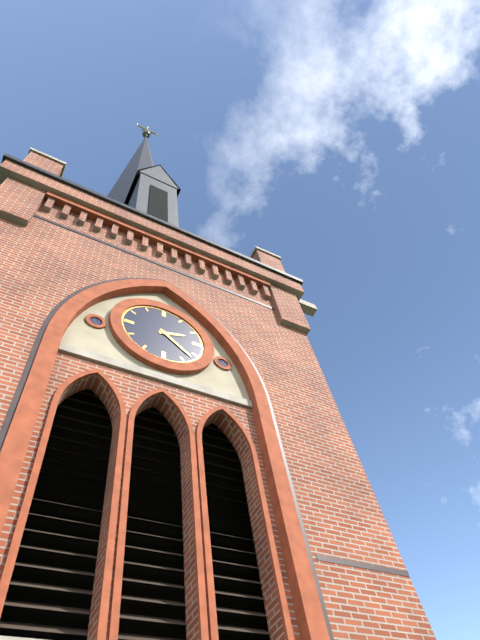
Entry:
2 h 22 min
